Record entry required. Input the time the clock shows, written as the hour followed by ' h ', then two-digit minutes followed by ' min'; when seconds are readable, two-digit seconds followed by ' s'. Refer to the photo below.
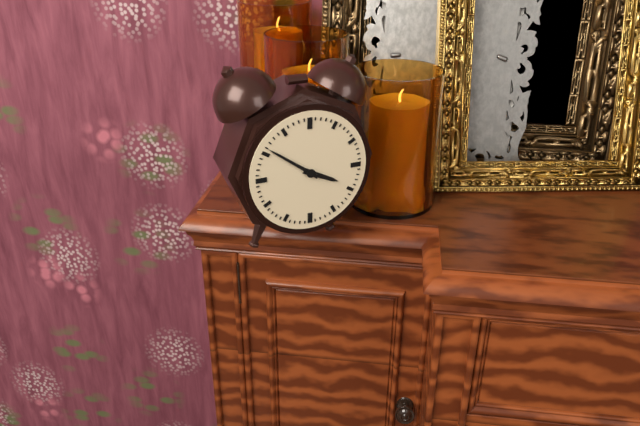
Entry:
3 h 51 min
